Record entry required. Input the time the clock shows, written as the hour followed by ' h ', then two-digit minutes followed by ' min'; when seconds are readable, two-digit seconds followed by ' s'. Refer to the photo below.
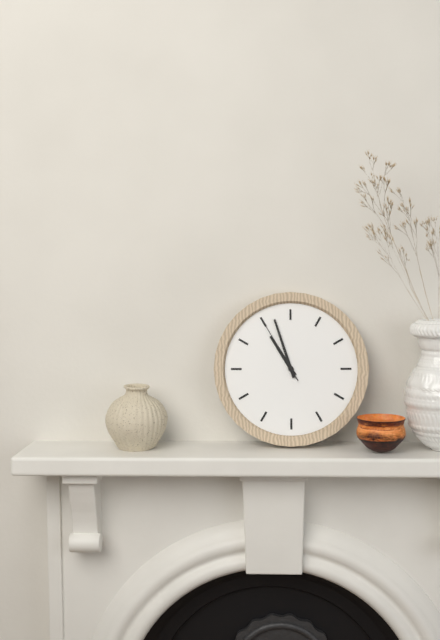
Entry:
10 h 57 min 55 s
